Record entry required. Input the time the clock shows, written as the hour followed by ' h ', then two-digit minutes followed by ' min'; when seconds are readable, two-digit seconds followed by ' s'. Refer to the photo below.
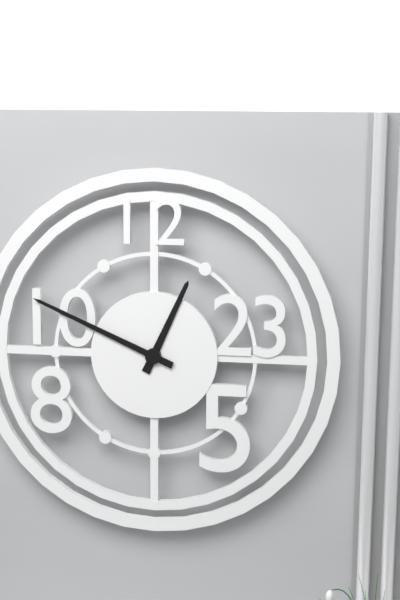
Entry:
12 h 49 min
